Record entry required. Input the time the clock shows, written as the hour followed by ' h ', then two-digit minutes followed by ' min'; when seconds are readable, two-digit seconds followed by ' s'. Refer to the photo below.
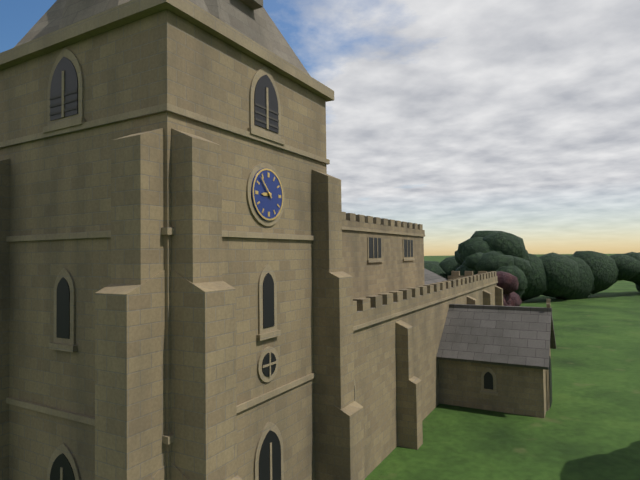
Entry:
8 h 53 min
